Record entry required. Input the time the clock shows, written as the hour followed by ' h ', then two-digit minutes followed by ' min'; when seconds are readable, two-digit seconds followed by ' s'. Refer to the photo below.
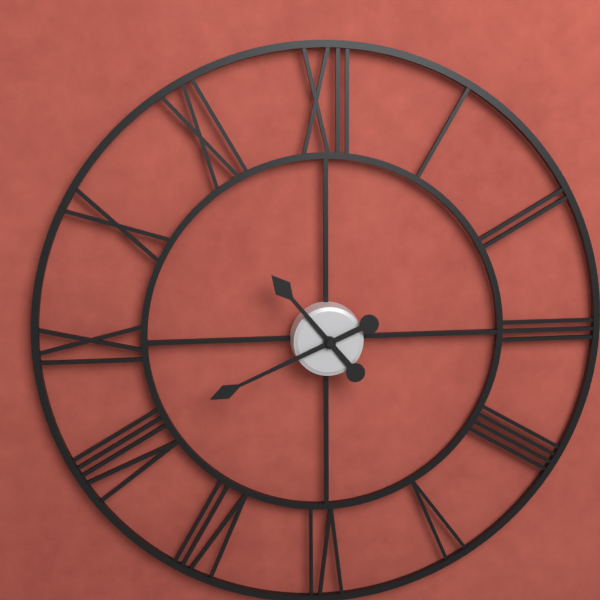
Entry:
10 h 41 min
